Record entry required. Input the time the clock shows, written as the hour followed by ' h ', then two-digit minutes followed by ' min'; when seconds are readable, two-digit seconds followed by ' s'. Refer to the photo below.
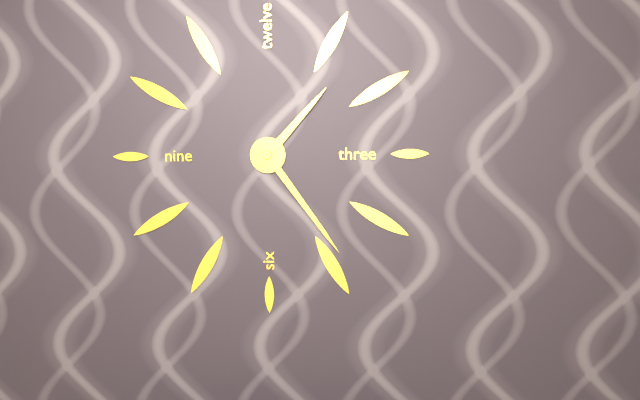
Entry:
1 h 24 min
